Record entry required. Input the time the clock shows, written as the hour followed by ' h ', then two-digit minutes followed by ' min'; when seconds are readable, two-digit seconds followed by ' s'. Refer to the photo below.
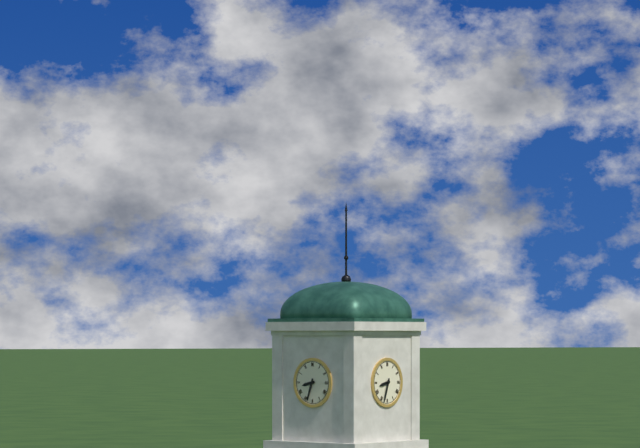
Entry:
8 h 33 min
